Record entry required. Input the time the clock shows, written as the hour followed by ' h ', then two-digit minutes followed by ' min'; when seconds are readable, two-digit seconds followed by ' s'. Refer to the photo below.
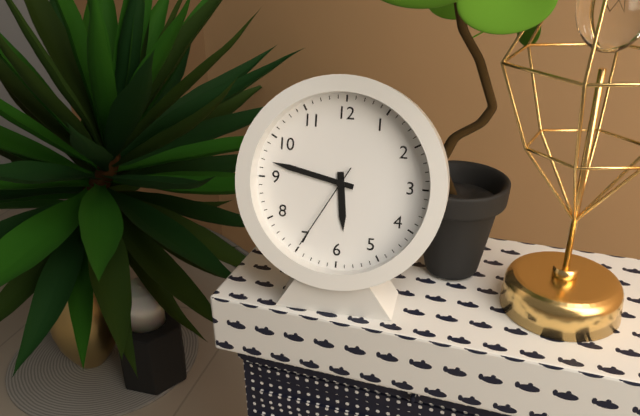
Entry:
5 h 47 min 35 s
